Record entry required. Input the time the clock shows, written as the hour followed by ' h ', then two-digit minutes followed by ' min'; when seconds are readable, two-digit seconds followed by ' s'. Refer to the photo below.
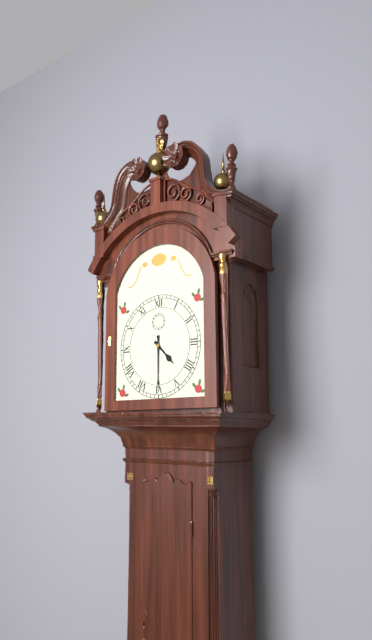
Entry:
4 h 30 min
